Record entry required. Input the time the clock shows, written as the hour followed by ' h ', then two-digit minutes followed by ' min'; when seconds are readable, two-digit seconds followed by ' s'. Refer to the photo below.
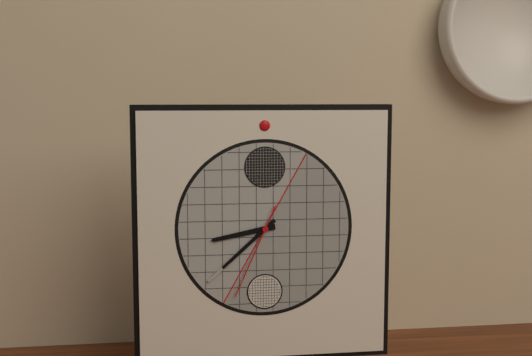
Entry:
8 h 38 min 34 s
